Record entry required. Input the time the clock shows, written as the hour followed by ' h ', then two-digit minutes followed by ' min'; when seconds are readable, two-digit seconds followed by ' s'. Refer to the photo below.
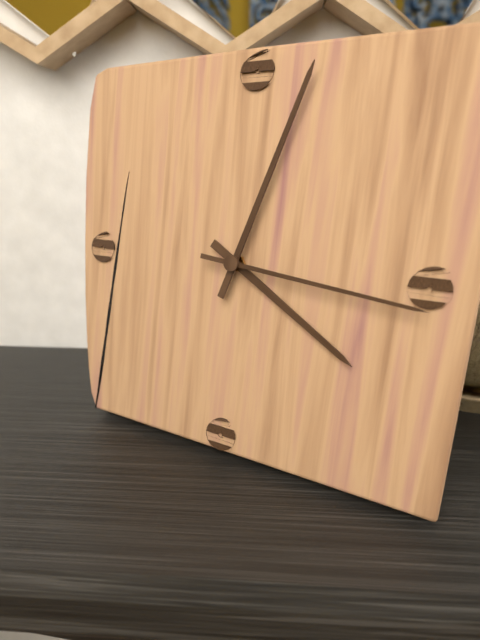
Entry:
4 h 03 min 16 s
